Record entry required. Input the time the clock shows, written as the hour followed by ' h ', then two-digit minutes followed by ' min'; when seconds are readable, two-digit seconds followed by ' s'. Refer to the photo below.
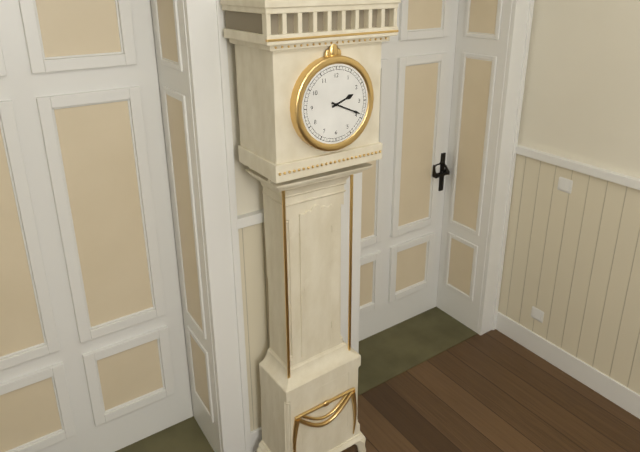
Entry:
2 h 19 min
